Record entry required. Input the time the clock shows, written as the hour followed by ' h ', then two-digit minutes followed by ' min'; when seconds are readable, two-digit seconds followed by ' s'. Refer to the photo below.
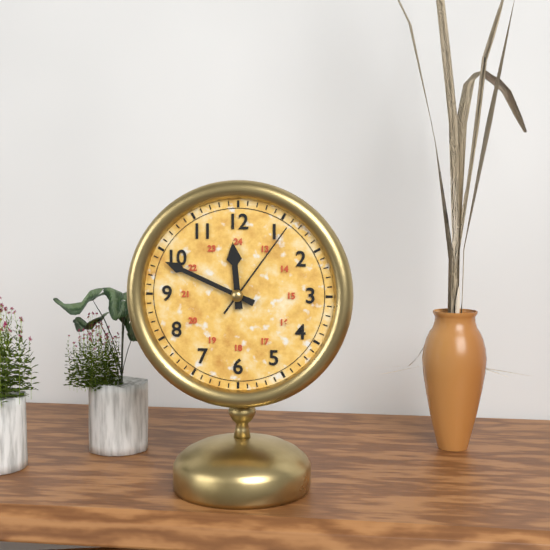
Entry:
11 h 49 min 06 s
